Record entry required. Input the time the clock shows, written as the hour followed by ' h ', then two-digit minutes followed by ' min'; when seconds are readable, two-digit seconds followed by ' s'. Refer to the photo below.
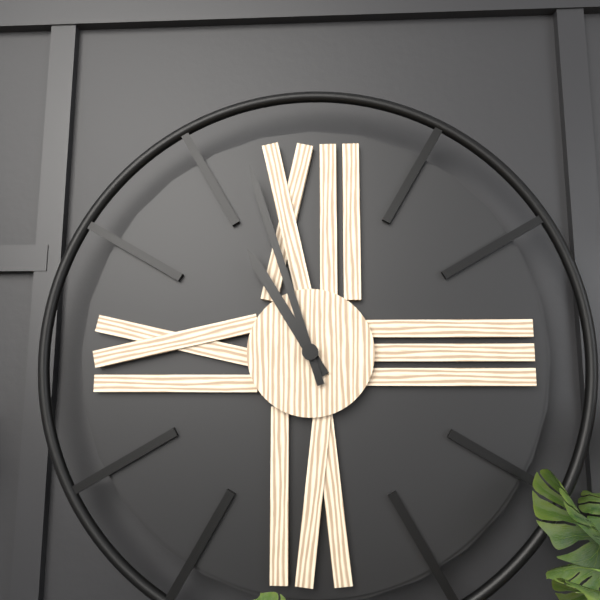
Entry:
10 h 57 min
